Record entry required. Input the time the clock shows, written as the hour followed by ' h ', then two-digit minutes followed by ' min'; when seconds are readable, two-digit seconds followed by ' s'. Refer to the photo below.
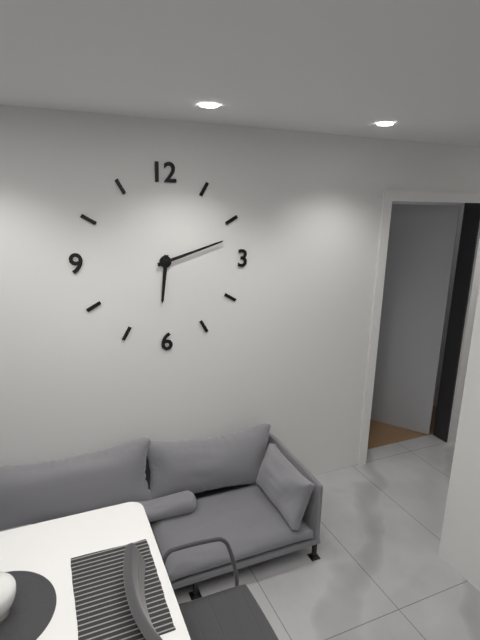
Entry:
6 h 12 min
